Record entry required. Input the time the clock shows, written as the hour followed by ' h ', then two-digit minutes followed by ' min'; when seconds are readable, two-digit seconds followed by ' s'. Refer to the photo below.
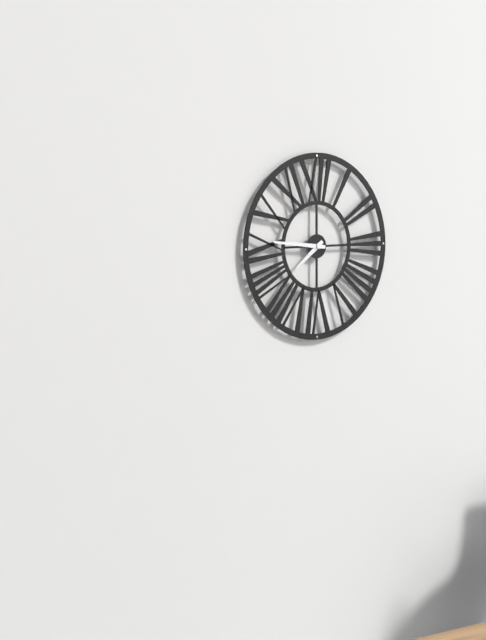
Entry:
7 h 46 min
